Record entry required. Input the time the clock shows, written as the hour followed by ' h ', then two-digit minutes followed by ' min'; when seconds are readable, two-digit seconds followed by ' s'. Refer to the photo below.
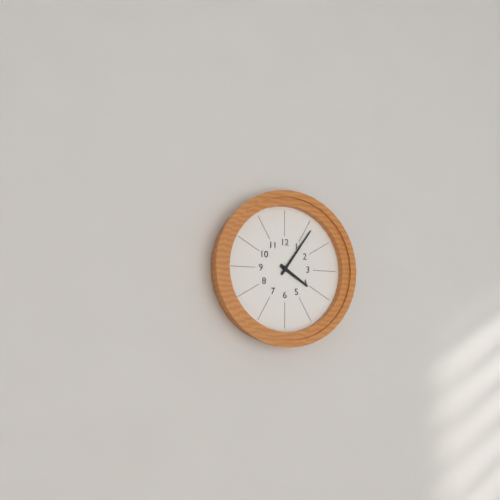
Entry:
4 h 06 min
